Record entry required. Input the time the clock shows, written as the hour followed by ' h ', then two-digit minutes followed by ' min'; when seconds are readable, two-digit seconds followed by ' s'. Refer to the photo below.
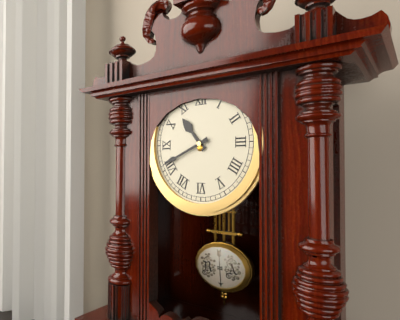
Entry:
10 h 41 min
